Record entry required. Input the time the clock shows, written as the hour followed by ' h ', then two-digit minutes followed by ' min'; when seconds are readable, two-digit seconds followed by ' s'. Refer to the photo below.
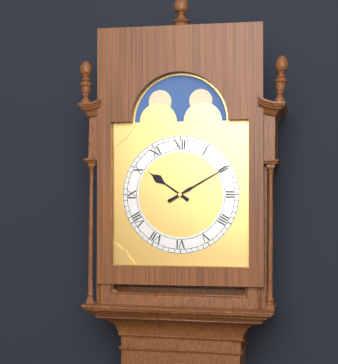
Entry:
10 h 10 min
